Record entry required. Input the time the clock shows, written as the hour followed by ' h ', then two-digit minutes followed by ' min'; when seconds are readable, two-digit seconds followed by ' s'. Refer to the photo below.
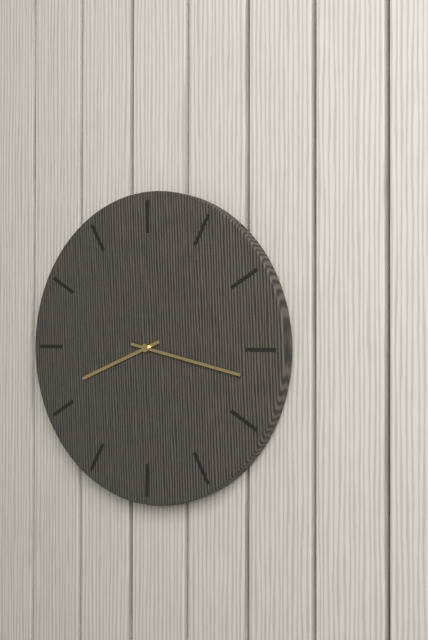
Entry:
8 h 17 min
